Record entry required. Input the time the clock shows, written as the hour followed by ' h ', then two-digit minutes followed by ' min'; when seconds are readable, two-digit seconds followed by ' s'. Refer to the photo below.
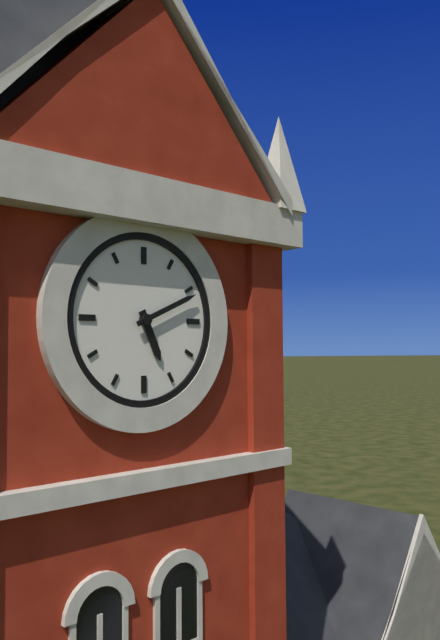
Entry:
5 h 11 min
